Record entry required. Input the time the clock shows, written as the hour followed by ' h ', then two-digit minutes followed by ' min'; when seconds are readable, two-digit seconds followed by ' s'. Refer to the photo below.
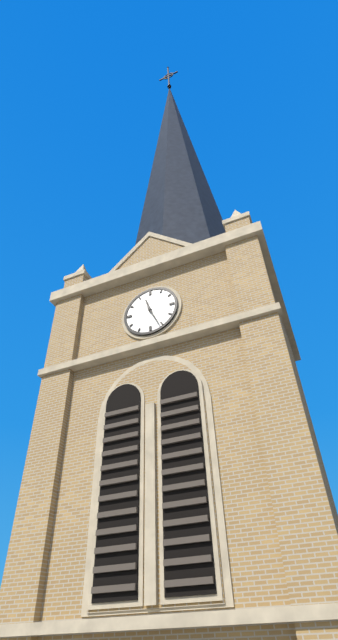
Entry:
11 h 26 min
